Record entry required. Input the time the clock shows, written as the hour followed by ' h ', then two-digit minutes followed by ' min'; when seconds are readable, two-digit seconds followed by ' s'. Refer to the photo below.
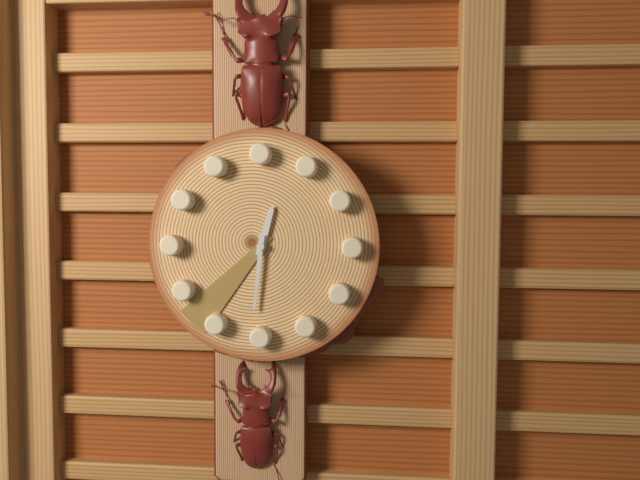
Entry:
12 h 31 min 37 s
